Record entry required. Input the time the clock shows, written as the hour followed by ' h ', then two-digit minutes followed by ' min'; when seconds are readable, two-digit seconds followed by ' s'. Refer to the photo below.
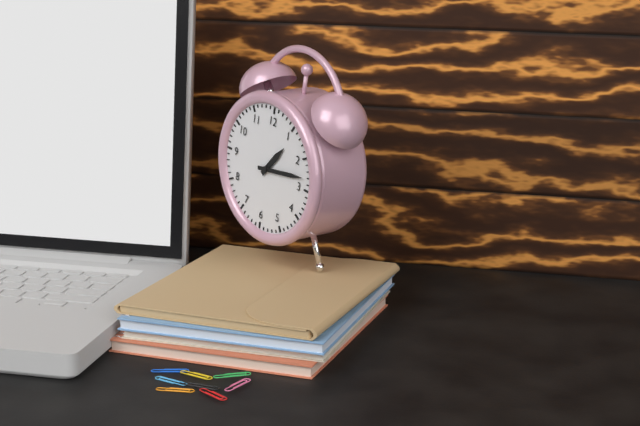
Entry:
1 h 13 min
